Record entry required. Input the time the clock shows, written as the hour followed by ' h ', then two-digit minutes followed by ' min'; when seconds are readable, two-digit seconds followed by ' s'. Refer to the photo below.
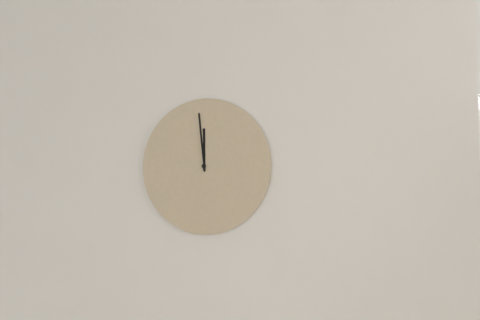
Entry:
11 h 59 min
